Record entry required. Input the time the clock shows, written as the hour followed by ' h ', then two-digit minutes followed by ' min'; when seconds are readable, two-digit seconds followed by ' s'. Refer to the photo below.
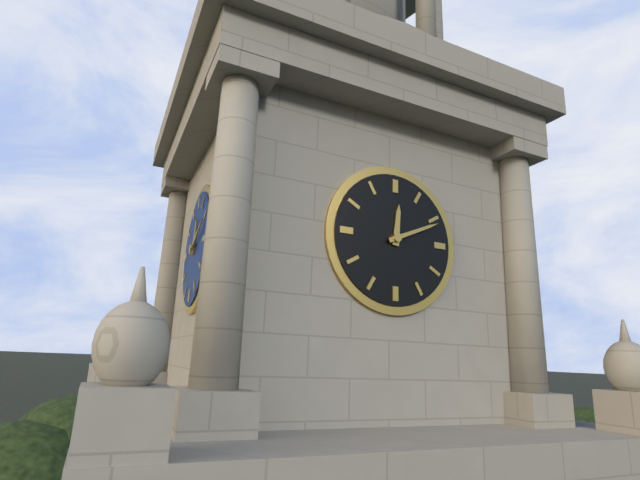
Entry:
12 h 11 min
